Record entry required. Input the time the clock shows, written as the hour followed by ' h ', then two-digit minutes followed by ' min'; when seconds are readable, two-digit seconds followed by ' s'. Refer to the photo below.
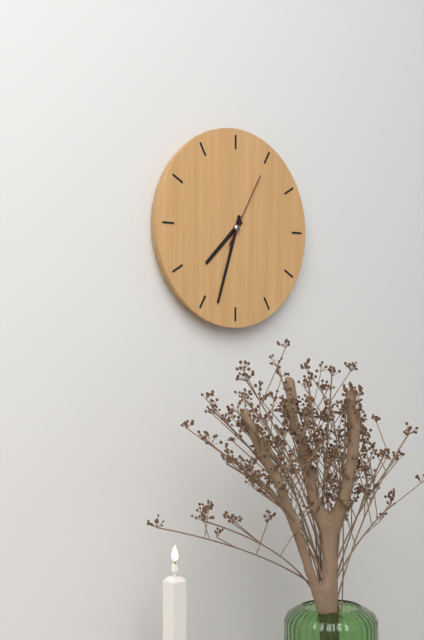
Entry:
7 h 33 min 05 s
